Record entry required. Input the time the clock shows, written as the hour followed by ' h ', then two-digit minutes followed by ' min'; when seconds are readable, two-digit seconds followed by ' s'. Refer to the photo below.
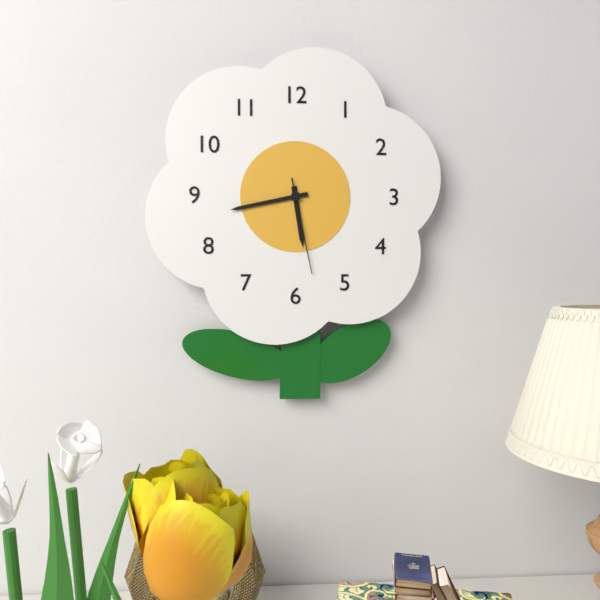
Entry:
5 h 43 min 28 s
